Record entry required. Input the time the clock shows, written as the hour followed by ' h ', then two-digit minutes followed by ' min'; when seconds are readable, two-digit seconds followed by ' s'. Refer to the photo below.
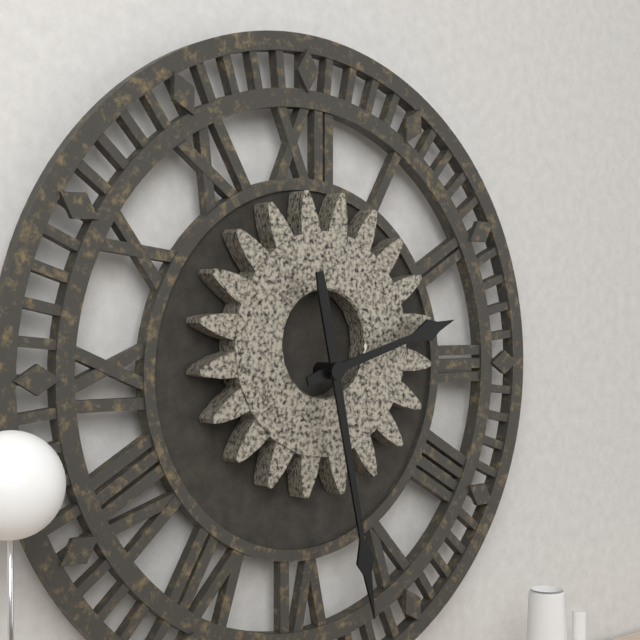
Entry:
2 h 28 min
